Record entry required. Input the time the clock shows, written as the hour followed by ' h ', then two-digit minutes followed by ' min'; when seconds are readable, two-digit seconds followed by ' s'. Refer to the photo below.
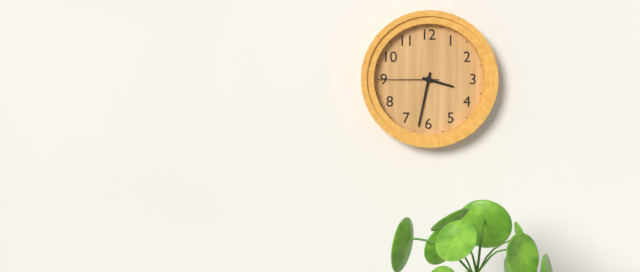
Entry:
3 h 32 min 45 s
